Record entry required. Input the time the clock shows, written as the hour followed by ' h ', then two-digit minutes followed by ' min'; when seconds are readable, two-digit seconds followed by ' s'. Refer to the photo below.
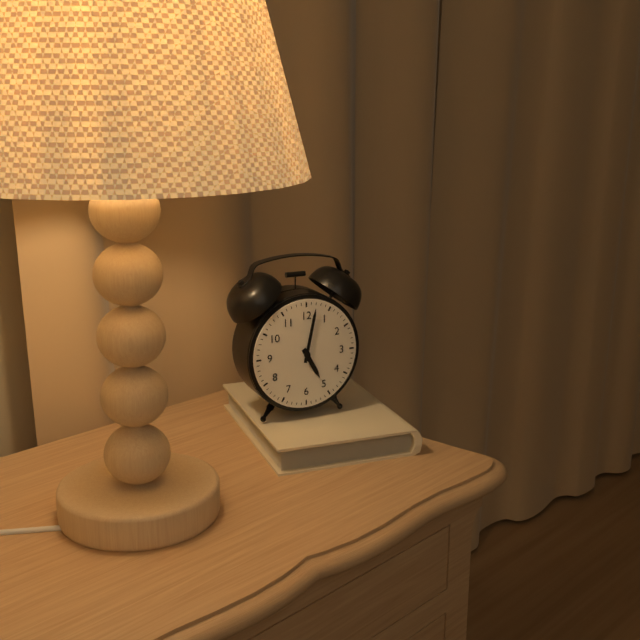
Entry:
5 h 02 min
